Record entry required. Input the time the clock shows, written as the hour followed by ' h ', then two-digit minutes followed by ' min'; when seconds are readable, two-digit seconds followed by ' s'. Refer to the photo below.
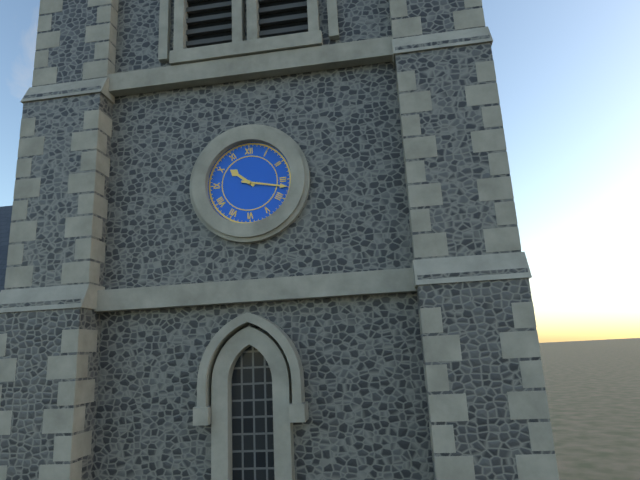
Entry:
10 h 17 min
